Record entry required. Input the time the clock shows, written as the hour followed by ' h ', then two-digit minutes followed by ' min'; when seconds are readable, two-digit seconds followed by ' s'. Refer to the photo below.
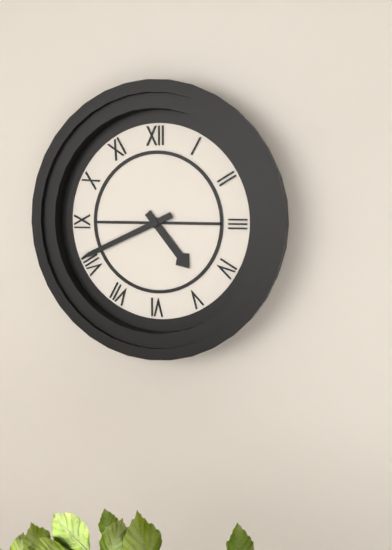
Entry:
4 h 41 min
